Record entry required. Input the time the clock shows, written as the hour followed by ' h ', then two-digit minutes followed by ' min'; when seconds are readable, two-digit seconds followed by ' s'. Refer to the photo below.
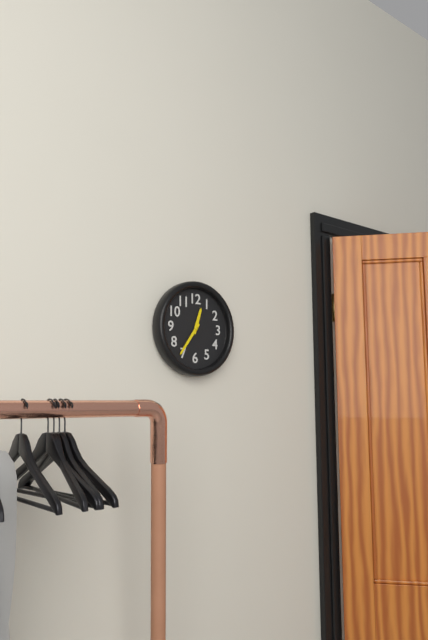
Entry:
12 h 36 min
